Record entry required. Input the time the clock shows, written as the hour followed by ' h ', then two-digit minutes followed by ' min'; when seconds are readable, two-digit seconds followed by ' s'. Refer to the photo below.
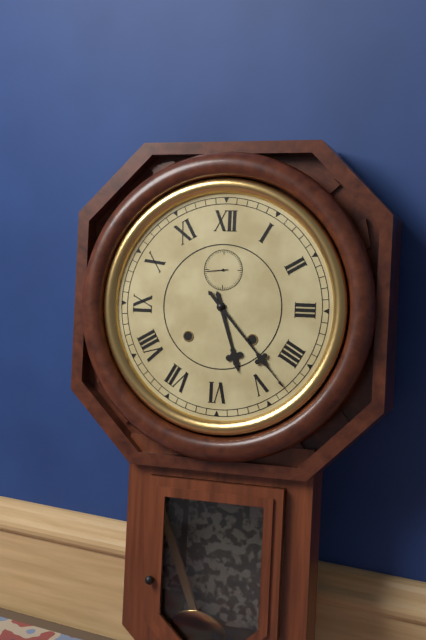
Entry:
5 h 23 min
